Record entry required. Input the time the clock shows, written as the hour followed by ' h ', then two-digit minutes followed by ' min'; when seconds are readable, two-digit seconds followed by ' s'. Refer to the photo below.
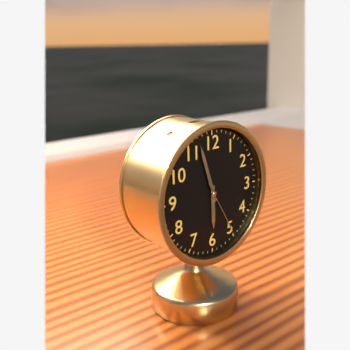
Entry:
5 h 57 min 25 s
